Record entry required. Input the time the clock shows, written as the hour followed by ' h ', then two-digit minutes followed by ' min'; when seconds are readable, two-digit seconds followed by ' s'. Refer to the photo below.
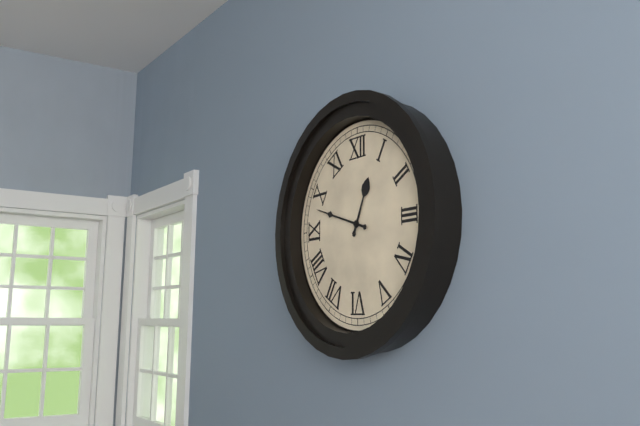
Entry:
12 h 48 min
